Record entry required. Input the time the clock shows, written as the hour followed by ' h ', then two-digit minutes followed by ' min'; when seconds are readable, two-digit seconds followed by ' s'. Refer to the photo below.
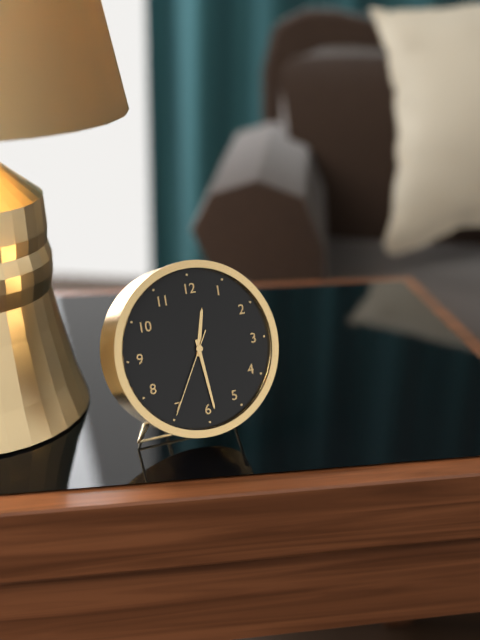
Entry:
12 h 29 min 35 s
